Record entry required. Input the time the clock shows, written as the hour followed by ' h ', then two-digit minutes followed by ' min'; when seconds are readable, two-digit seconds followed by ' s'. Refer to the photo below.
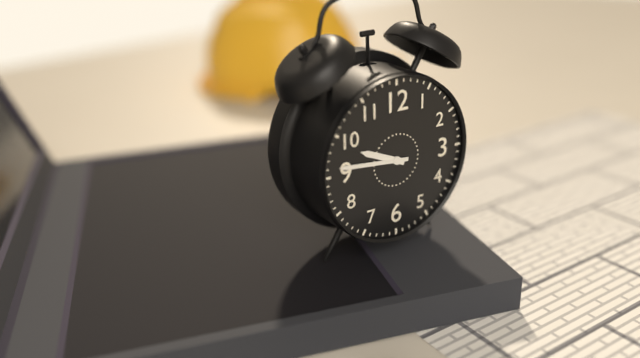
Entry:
9 h 46 min
